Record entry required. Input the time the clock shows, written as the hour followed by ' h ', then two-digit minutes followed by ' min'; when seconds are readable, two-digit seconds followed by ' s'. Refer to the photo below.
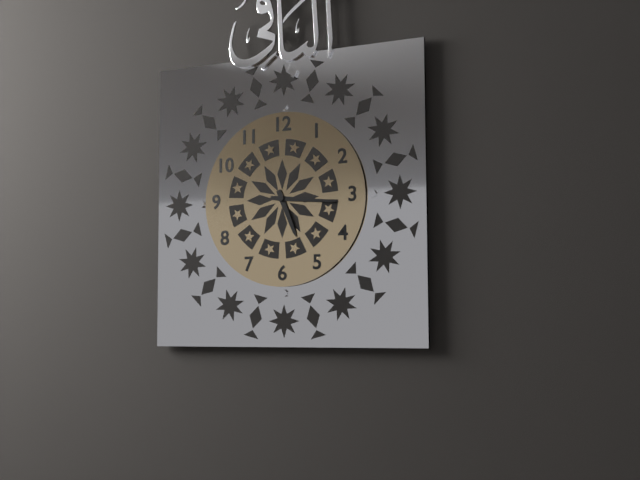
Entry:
5 h 16 min
